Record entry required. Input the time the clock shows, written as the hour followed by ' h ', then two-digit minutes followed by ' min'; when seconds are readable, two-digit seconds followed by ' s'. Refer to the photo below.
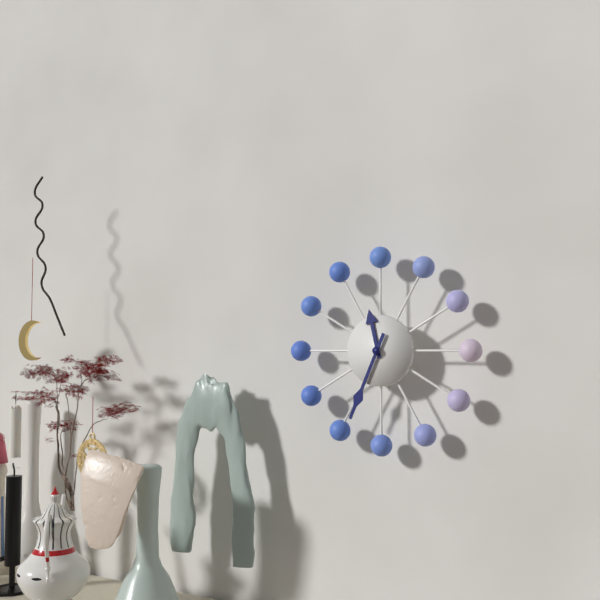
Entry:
11 h 34 min
